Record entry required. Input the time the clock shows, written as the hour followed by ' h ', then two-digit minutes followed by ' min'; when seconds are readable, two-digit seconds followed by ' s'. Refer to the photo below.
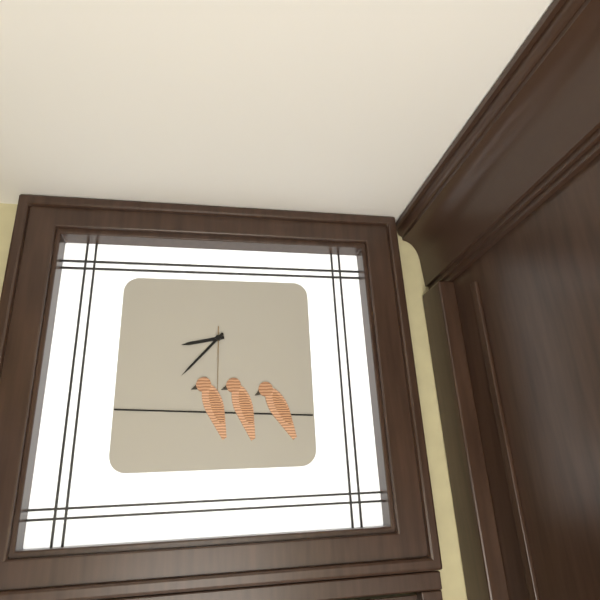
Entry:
8 h 37 min 30 s
